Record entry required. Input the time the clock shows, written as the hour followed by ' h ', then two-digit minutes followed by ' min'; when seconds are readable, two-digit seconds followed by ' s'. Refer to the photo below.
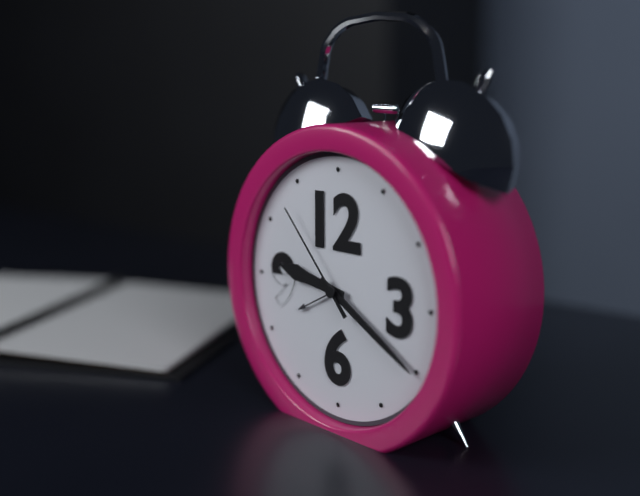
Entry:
9 h 20 min 53 s
